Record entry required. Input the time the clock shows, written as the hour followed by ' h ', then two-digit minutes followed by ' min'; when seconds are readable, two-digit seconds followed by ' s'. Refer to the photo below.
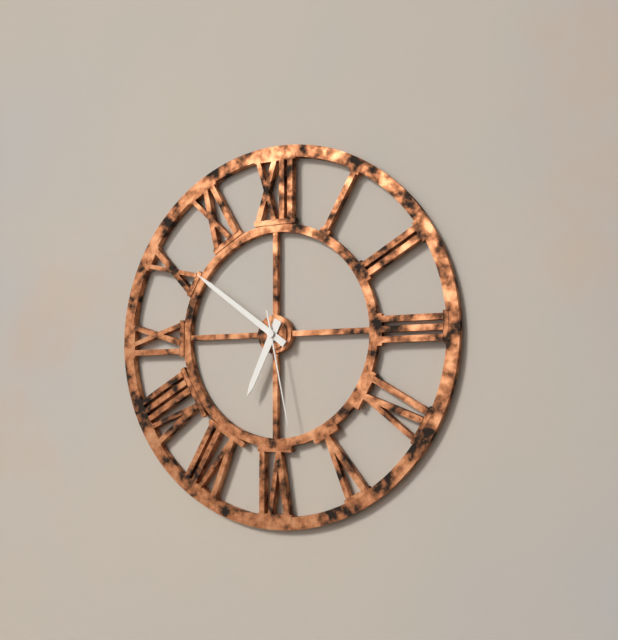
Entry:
6 h 51 min 28 s
